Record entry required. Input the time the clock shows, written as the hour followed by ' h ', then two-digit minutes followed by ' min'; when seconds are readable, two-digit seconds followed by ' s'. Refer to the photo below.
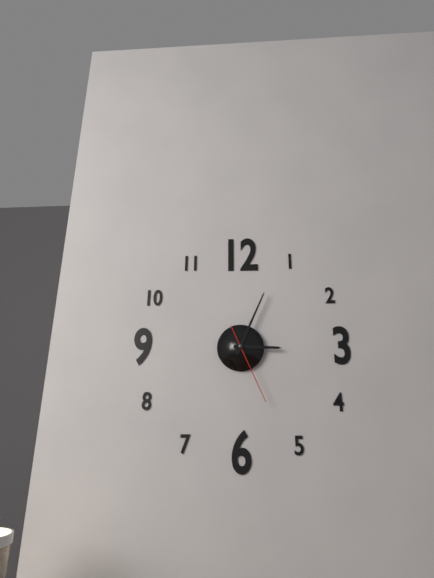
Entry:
3 h 04 min 26 s
